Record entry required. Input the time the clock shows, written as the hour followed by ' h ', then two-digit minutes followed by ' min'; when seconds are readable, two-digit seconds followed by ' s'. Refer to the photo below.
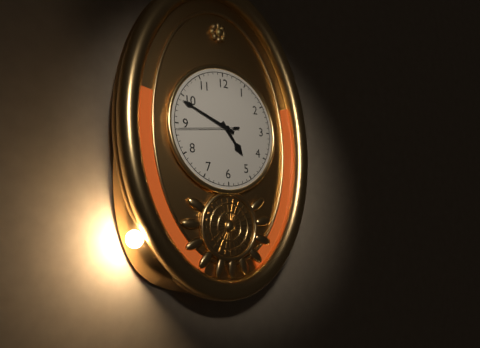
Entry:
4 h 49 min 44 s
